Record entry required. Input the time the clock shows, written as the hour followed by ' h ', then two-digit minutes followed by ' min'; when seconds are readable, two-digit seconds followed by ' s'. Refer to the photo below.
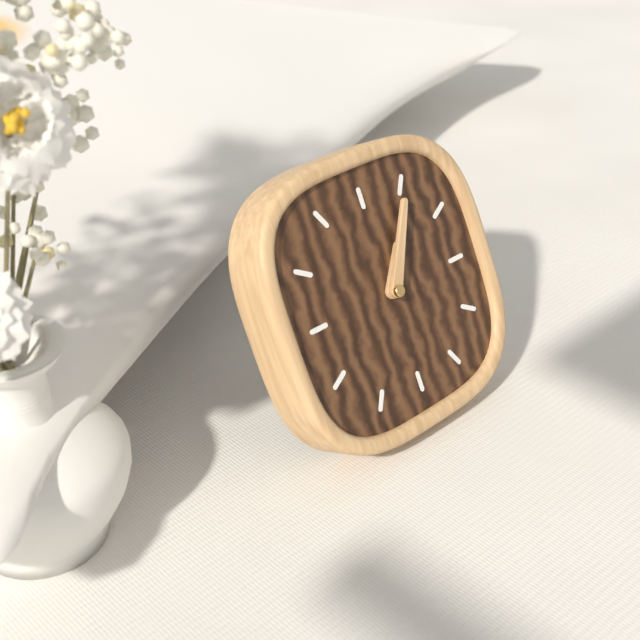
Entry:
1 h 05 min
